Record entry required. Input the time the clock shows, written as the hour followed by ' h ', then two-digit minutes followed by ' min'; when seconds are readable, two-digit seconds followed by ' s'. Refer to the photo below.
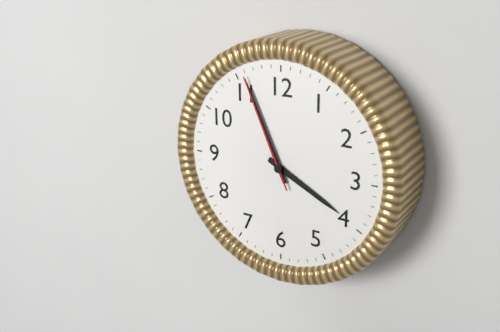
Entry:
3 h 56 min 56 s
